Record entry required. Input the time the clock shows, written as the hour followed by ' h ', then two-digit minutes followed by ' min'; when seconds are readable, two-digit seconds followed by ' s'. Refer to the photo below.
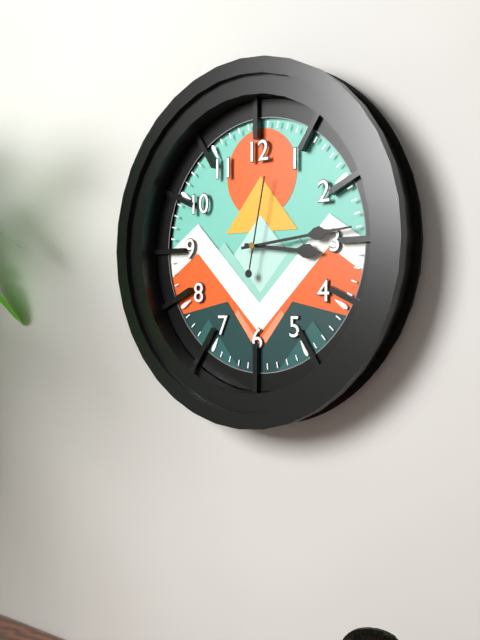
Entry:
3 h 14 min 02 s
